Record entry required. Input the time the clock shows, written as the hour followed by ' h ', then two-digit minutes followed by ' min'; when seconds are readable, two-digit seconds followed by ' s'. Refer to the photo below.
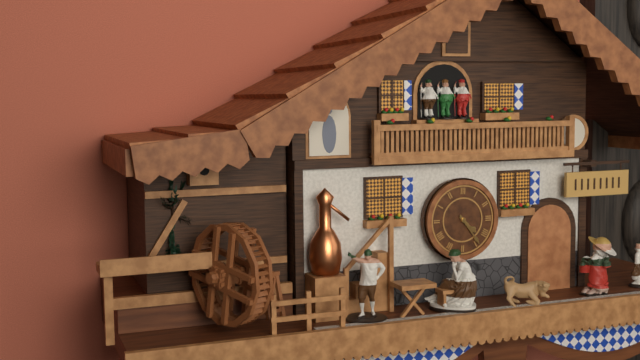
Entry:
4 h 24 min
